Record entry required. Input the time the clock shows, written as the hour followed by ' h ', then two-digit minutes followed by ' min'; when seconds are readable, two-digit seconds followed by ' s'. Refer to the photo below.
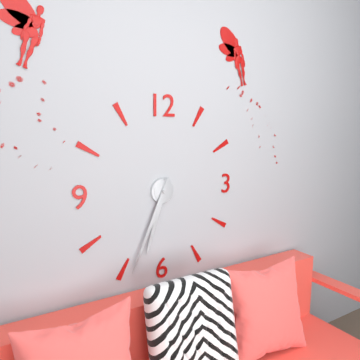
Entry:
6 h 34 min
